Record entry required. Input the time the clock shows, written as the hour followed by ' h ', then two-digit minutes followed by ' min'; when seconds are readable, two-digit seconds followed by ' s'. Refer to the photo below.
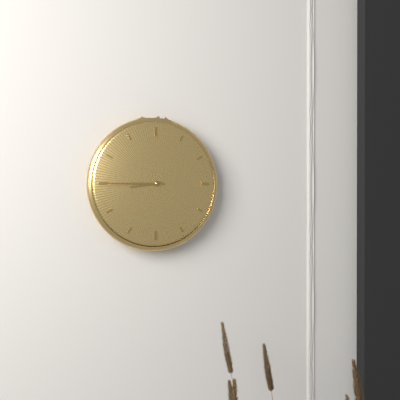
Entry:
8 h 45 min
